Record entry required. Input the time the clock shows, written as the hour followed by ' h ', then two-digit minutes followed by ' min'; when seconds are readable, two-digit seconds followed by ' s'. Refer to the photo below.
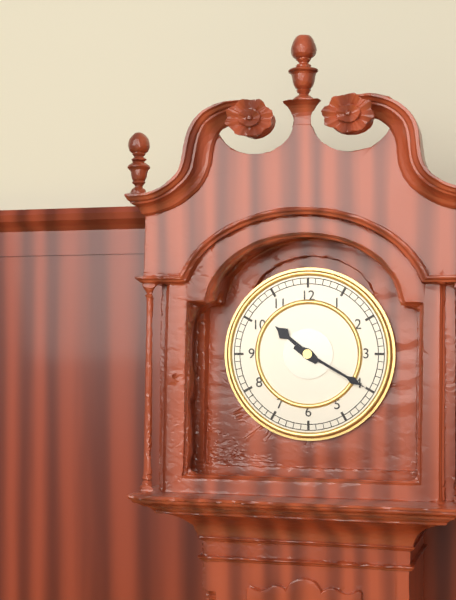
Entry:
10 h 20 min
